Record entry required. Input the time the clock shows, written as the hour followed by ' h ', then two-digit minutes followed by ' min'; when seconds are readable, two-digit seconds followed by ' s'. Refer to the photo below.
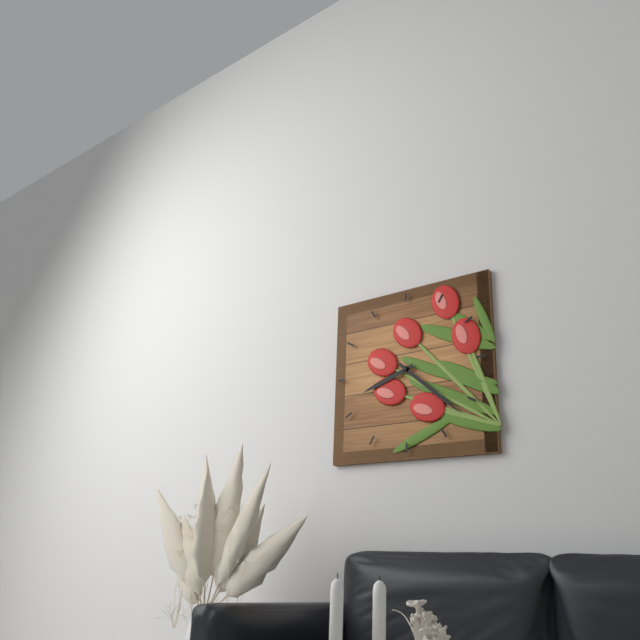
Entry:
8 h 22 min
